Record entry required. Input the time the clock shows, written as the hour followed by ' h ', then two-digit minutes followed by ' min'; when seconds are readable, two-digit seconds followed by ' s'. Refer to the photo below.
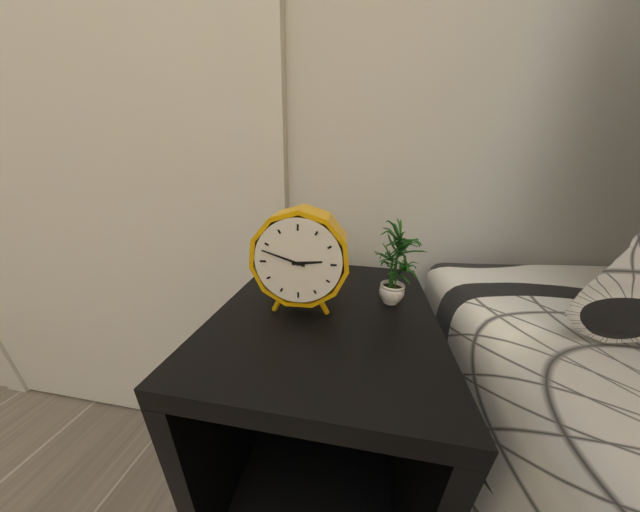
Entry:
2 h 48 min
